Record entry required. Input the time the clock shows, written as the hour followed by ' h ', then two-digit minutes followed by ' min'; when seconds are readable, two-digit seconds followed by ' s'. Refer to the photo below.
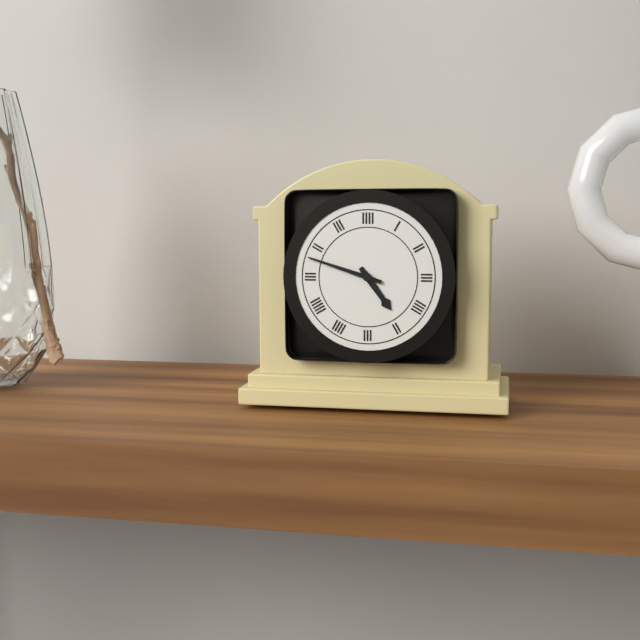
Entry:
4 h 48 min
